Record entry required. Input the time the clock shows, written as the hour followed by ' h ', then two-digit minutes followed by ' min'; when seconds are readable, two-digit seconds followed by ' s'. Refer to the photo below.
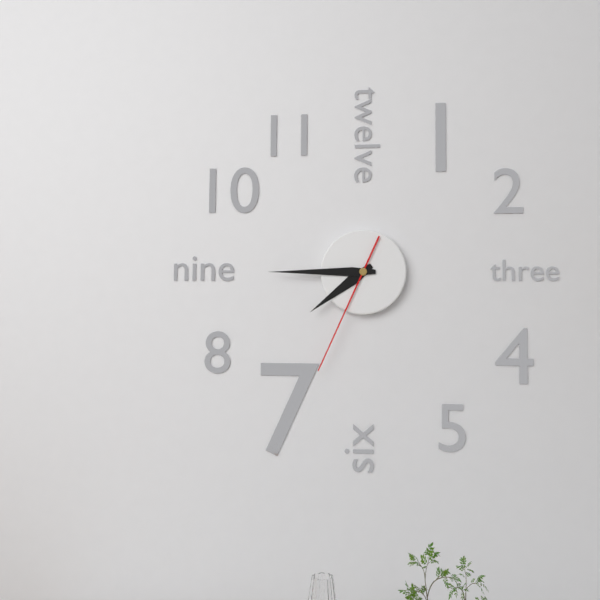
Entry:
7 h 45 min 34 s
